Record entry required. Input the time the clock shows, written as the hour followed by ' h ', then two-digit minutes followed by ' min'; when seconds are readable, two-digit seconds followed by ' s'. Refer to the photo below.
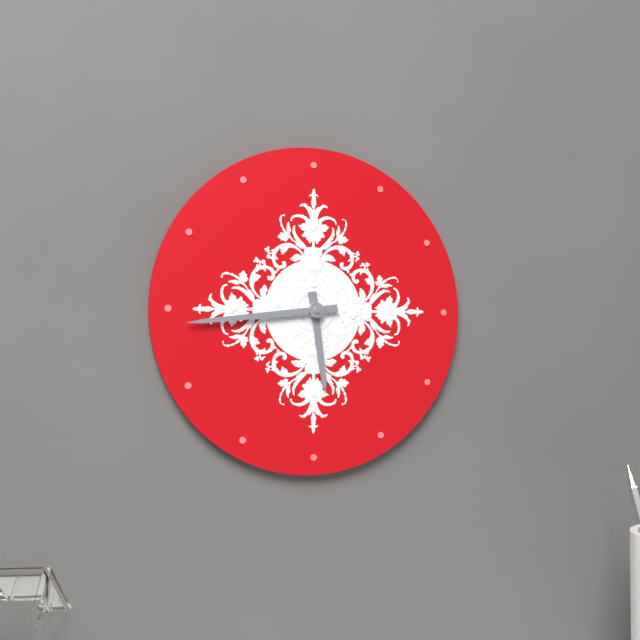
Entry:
5 h 44 min
